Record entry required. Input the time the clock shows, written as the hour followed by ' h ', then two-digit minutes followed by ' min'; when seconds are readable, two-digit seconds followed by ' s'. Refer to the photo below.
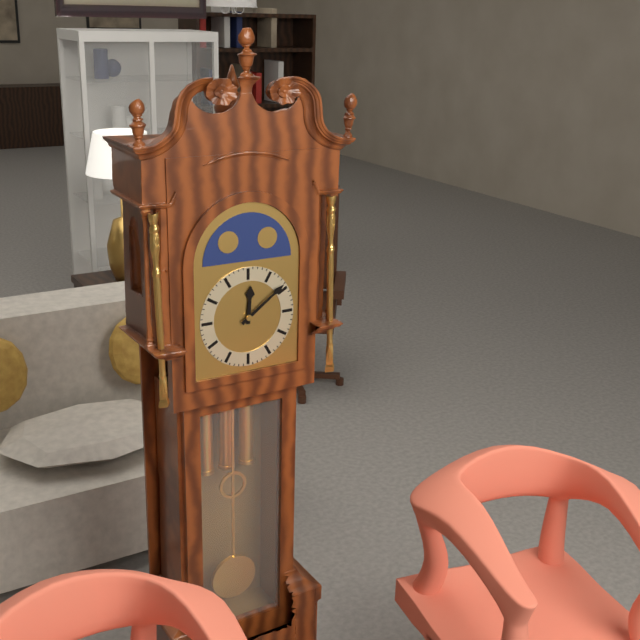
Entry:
12 h 09 min
